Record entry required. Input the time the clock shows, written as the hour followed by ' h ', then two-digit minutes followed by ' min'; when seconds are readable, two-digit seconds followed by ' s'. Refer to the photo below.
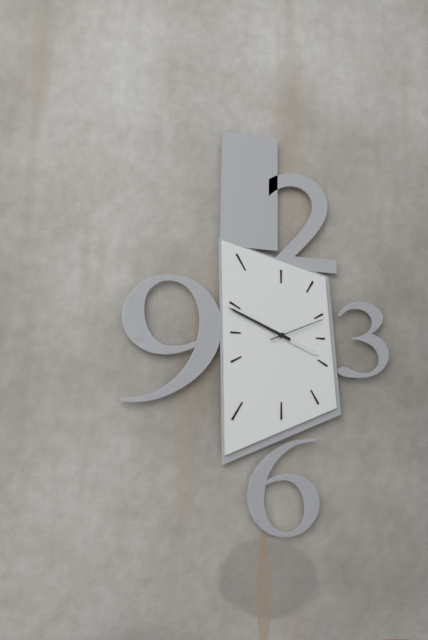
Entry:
3 h 49 min 11 s
